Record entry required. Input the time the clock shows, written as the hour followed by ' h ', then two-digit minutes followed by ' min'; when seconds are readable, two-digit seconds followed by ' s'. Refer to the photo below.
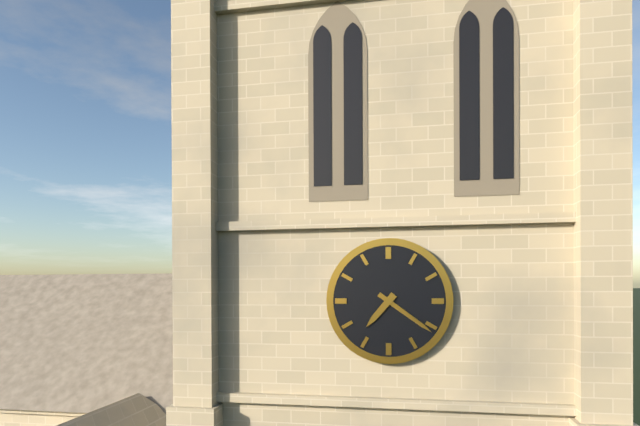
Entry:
7 h 21 min
